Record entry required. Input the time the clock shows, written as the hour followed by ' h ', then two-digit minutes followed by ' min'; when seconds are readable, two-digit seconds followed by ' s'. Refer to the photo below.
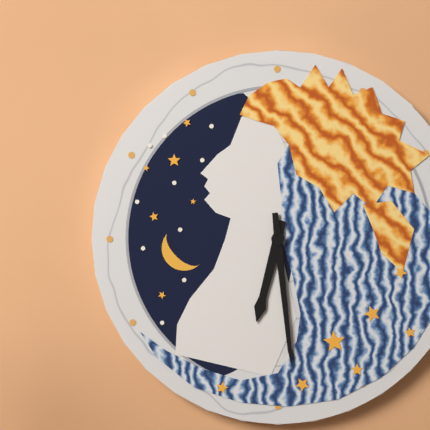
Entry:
6 h 29 min
